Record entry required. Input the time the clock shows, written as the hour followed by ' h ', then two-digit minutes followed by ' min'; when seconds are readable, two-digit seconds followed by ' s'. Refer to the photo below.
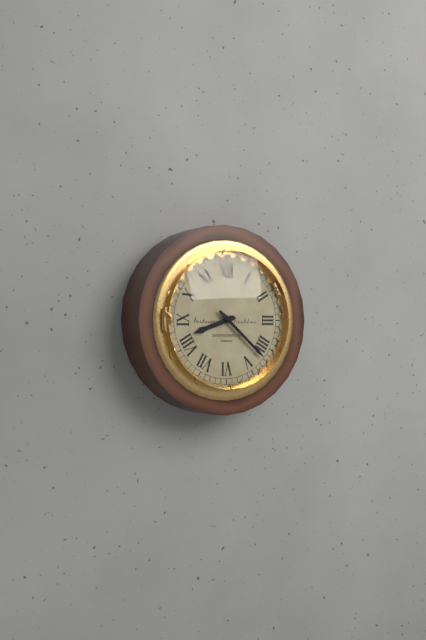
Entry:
8 h 22 min
